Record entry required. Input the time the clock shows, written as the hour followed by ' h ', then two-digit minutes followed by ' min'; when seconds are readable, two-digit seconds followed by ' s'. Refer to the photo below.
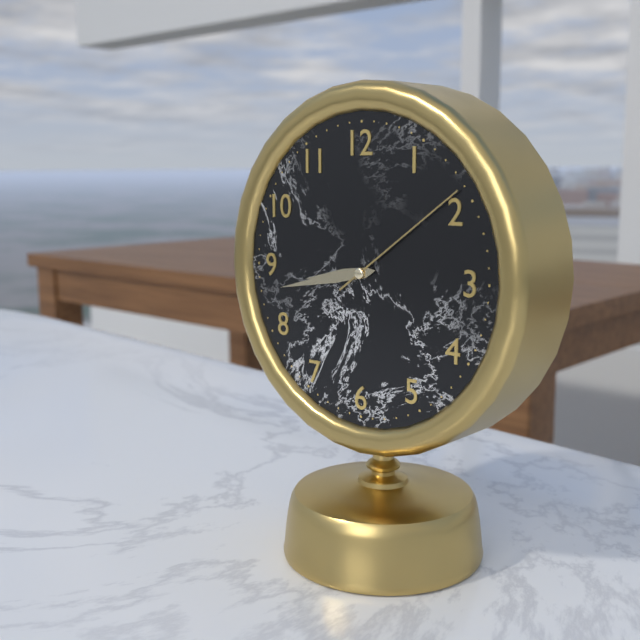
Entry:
8 h 43 min 09 s
